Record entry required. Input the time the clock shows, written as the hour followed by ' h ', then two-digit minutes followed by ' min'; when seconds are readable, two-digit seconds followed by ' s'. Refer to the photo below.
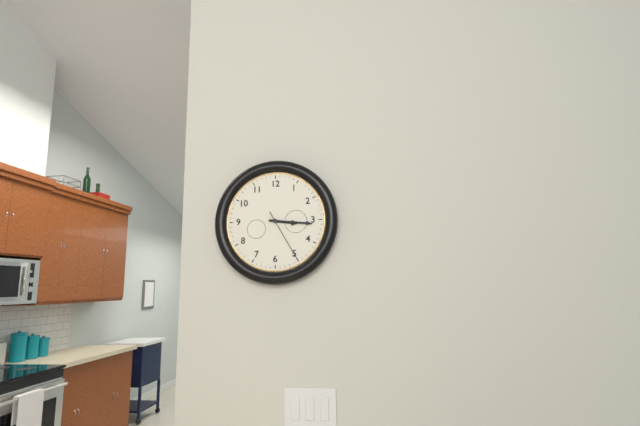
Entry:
3 h 16 min 25 s
